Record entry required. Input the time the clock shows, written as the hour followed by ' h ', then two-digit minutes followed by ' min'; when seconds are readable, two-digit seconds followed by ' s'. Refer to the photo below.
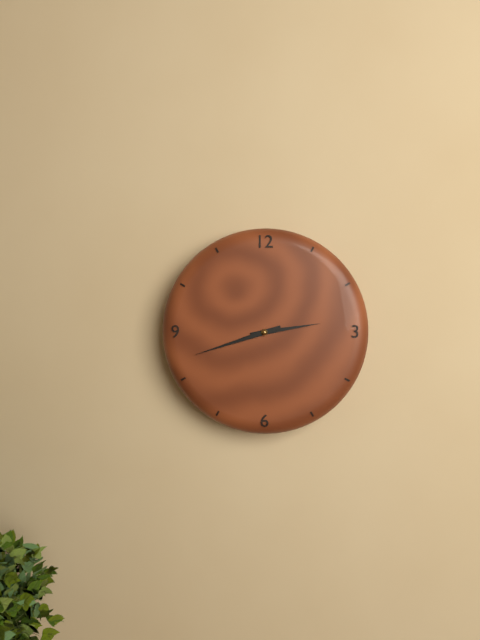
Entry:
2 h 42 min
